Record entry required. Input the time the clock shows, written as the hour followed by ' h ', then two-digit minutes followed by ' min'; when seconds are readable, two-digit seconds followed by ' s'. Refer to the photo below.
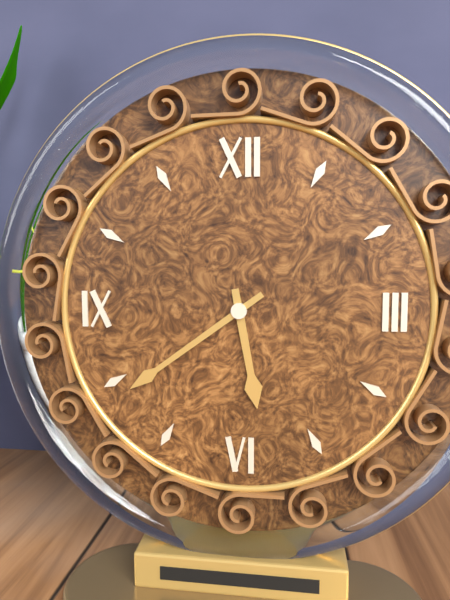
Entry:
5 h 39 min
